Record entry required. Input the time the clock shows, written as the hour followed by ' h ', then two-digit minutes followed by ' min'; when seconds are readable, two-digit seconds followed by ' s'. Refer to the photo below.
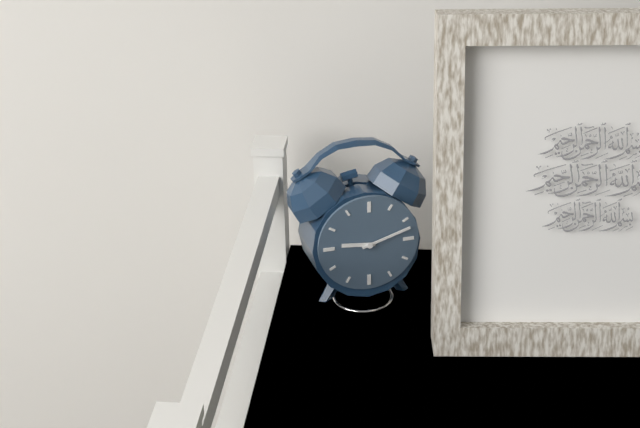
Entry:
9 h 12 min
